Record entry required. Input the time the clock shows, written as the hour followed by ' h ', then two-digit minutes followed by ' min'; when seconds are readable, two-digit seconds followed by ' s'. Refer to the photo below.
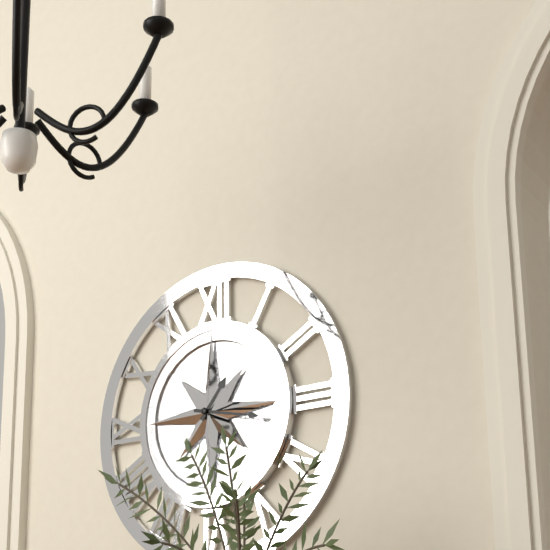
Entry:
1 h 17 min
